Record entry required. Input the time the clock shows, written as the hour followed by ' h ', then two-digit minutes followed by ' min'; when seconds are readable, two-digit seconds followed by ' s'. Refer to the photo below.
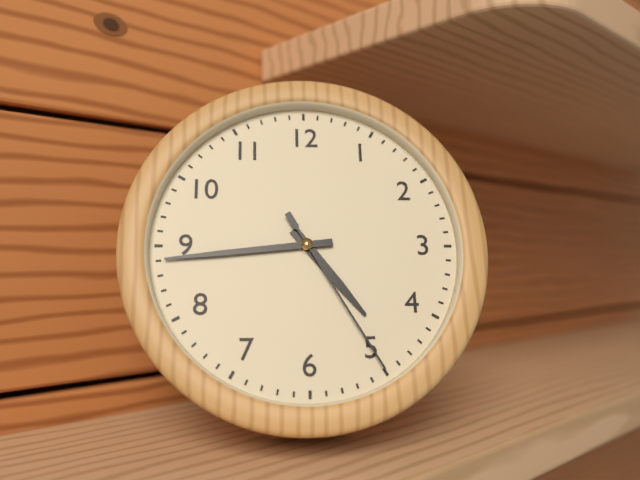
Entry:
4 h 44 min 25 s
